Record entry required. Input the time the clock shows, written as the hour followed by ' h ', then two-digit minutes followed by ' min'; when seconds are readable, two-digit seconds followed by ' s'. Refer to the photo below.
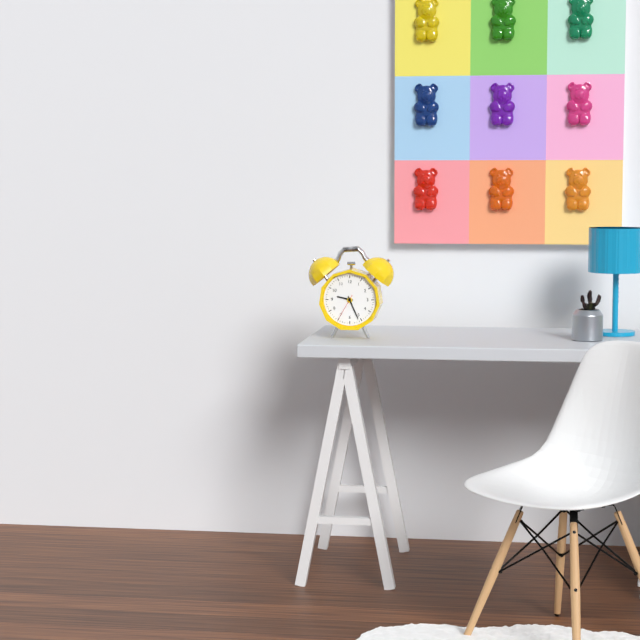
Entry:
9 h 26 min
